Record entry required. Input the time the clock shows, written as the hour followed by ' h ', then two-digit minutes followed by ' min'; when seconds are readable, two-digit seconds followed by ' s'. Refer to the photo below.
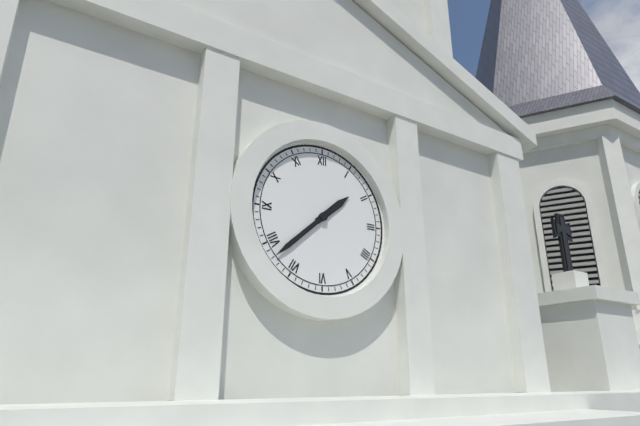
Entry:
1 h 38 min
